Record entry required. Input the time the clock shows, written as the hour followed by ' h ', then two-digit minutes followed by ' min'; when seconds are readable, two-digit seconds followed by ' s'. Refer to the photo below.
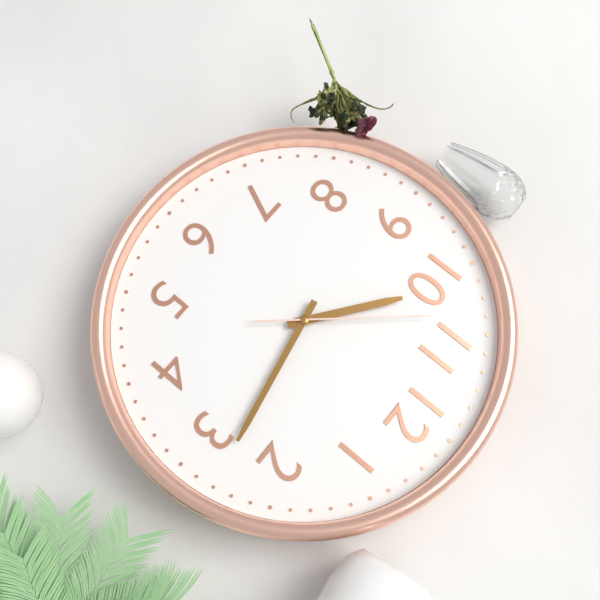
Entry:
10 h 13 min 53 s
